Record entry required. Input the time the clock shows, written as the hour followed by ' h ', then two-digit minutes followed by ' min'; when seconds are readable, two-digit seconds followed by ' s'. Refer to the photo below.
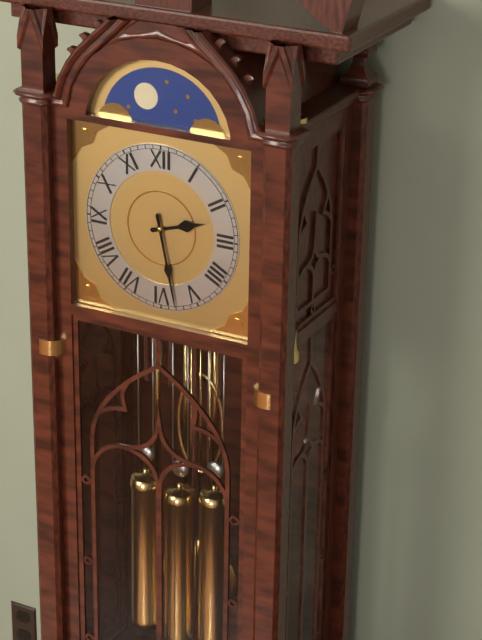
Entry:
2 h 28 min
